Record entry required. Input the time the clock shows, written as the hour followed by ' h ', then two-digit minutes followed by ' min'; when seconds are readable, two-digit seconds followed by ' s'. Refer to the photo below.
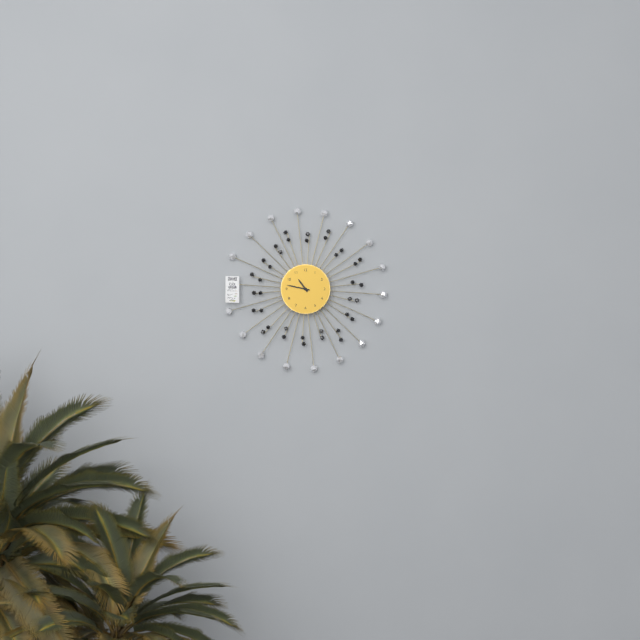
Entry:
10 h 47 min
